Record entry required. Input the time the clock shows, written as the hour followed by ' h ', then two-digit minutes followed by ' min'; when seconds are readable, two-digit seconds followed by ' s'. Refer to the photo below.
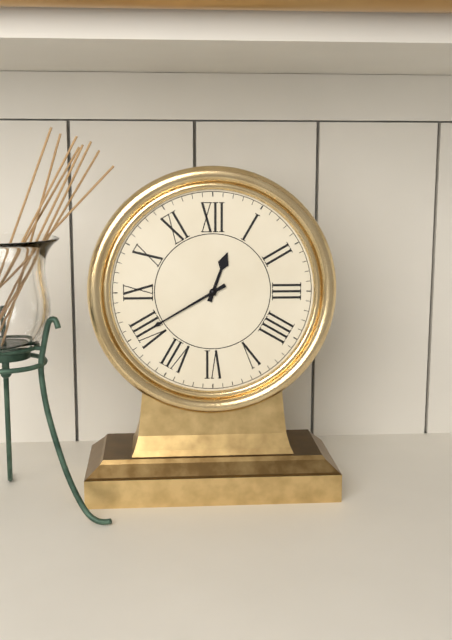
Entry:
12 h 40 min
